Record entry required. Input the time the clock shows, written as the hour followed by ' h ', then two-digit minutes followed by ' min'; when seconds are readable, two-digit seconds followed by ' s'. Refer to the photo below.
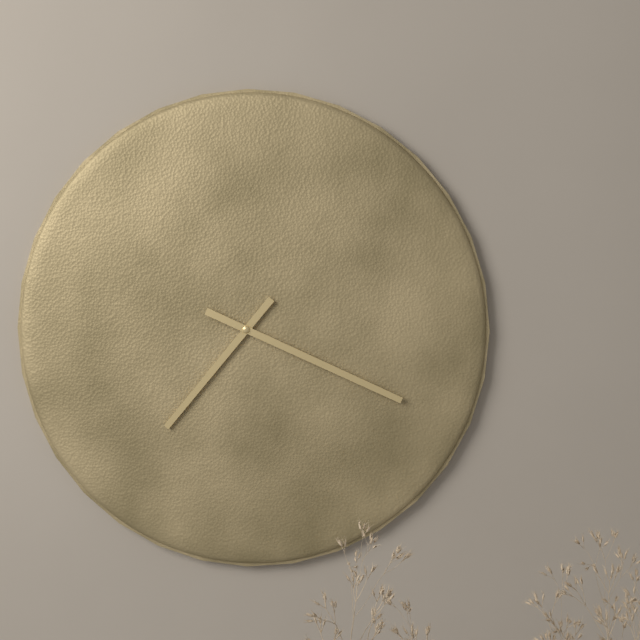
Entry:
7 h 19 min
